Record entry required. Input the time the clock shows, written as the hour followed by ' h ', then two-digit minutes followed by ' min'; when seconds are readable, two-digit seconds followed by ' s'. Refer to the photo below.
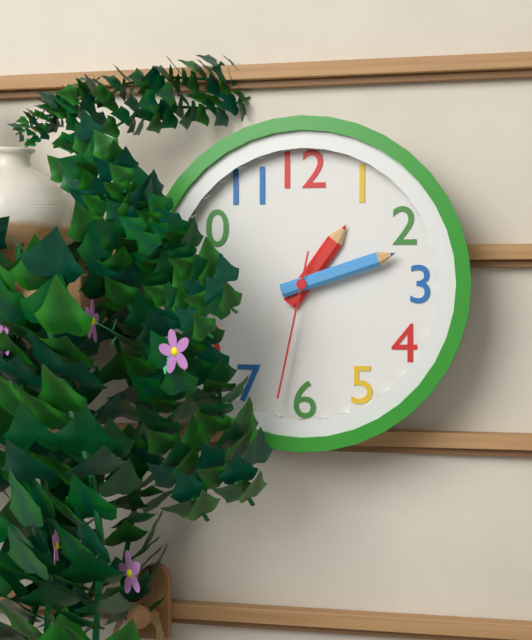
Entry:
1 h 12 min 32 s
